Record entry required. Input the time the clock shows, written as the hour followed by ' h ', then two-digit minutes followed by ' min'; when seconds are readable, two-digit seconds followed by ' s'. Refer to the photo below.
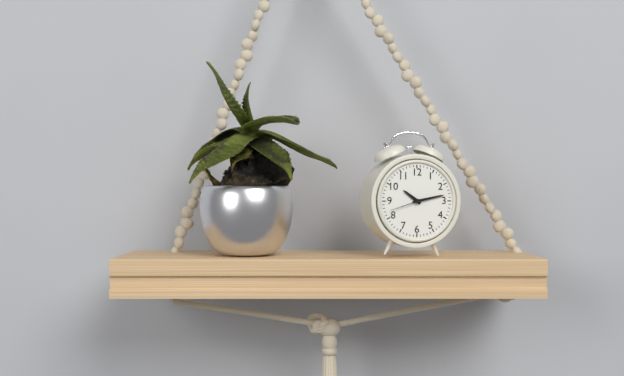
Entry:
10 h 13 min
